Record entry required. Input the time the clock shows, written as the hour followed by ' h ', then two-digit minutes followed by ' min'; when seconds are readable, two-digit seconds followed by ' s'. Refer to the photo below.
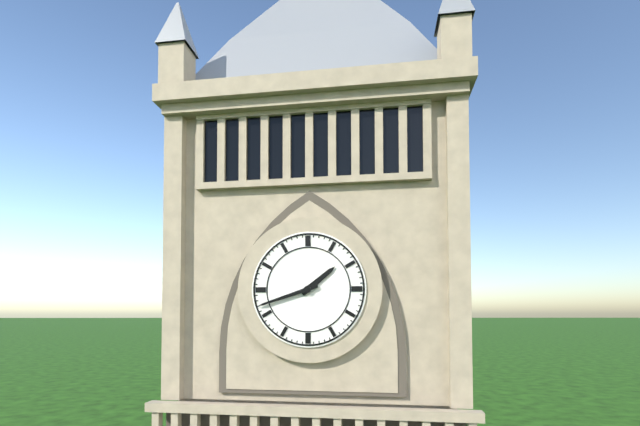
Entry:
1 h 42 min
